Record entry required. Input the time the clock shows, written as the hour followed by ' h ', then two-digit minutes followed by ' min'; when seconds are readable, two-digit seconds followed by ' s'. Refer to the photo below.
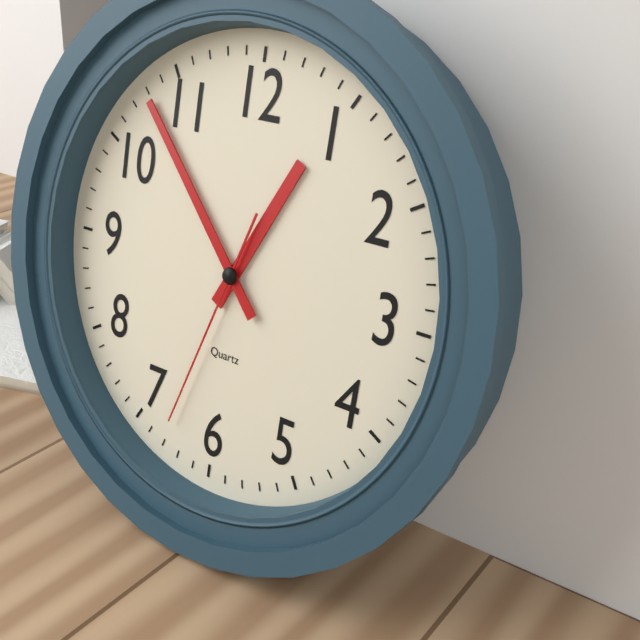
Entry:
12 h 53 min 33 s
